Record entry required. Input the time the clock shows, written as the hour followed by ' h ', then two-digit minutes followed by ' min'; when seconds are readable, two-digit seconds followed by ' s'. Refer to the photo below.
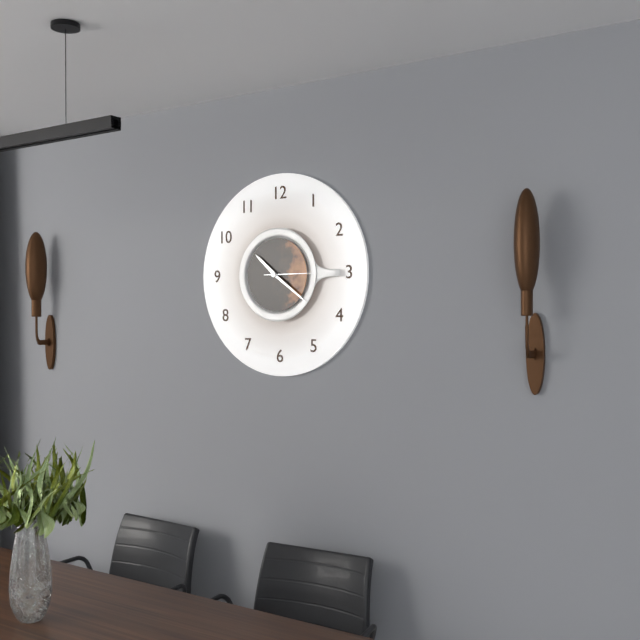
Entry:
10 h 21 min 15 s
